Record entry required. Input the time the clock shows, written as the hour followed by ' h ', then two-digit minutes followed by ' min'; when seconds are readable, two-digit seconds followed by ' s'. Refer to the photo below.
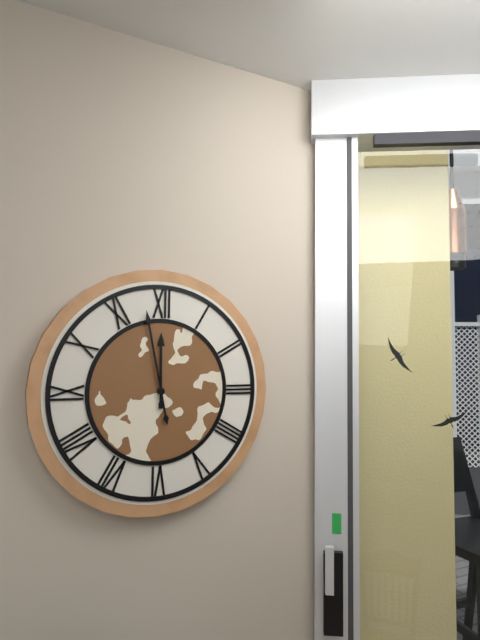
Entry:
11 h 58 min
